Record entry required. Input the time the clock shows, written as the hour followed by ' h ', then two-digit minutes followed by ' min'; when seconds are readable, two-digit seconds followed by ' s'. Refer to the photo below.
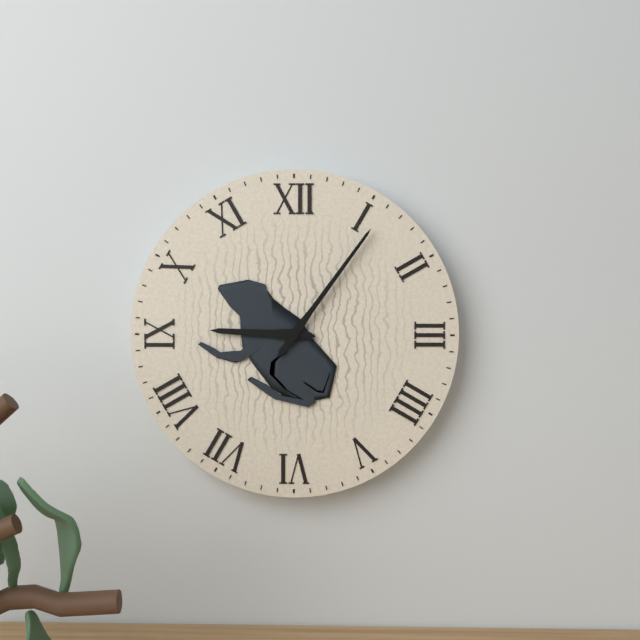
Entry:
9 h 06 min
